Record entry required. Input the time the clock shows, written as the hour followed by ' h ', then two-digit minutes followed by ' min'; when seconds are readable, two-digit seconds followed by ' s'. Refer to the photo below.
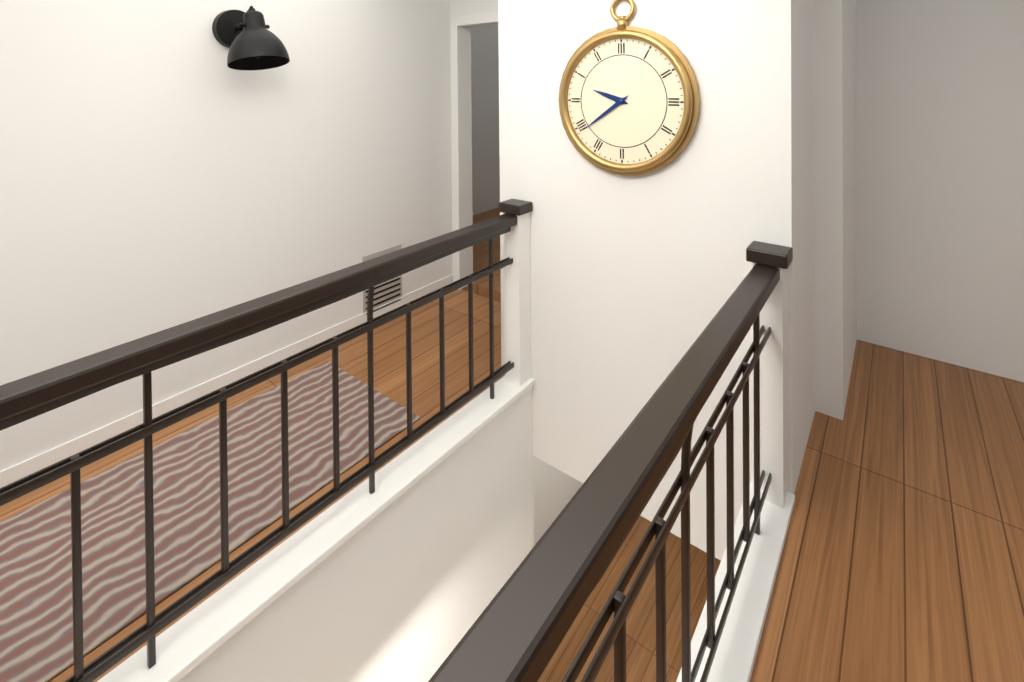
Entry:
9 h 39 min
